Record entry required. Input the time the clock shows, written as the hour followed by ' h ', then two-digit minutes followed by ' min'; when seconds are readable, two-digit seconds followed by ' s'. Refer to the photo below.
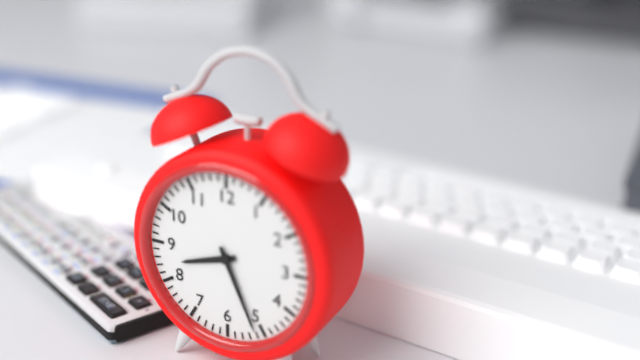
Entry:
8 h 26 min
